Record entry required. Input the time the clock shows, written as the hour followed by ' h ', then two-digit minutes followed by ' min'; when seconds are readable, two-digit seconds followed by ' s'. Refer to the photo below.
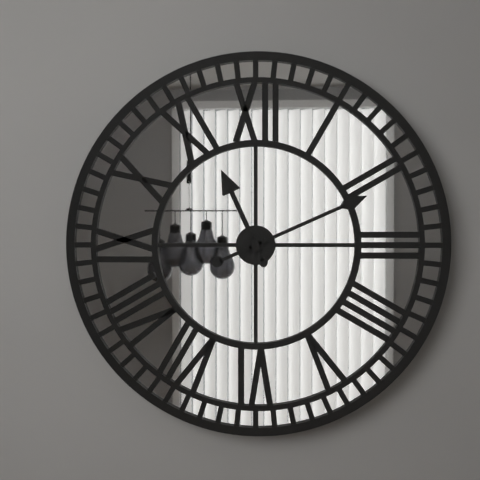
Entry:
11 h 11 min
